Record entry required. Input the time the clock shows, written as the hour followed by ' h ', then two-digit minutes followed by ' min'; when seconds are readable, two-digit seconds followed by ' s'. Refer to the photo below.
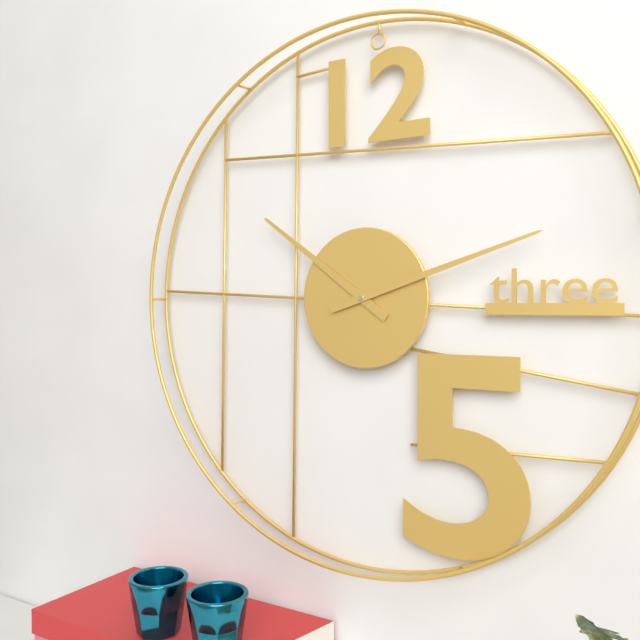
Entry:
10 h 12 min
